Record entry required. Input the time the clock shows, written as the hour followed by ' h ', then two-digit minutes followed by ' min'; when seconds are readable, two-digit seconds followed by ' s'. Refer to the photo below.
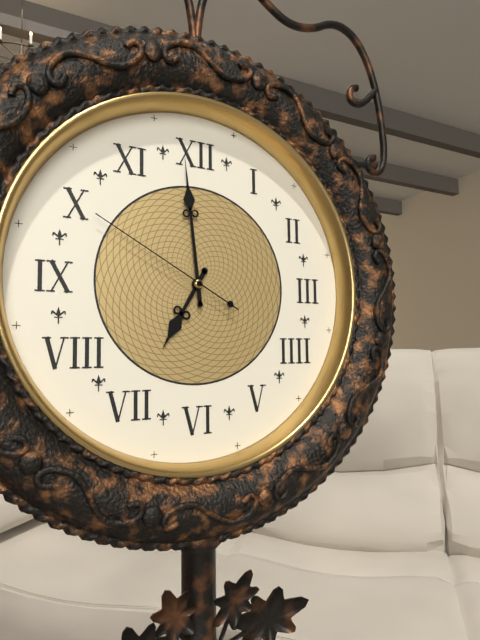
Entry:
6 h 59 min 50 s
